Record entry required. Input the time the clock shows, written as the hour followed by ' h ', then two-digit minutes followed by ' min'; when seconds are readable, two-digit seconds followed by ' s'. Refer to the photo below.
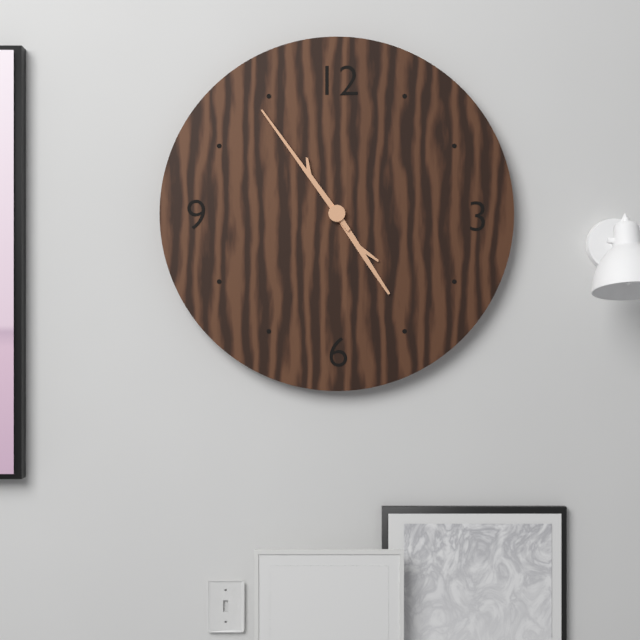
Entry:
4 h 54 min
